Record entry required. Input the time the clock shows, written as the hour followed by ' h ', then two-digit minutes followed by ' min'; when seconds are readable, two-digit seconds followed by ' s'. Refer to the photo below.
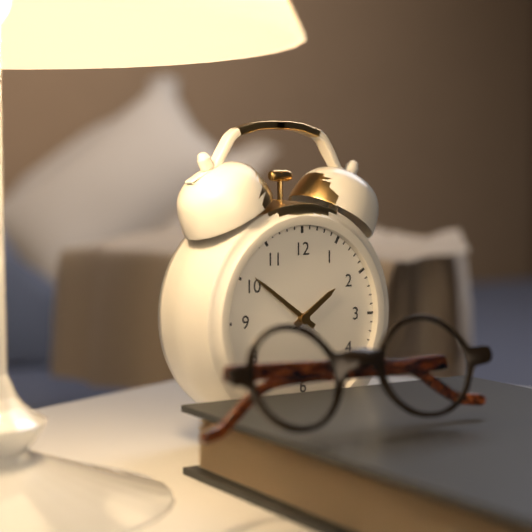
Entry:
1 h 51 min
